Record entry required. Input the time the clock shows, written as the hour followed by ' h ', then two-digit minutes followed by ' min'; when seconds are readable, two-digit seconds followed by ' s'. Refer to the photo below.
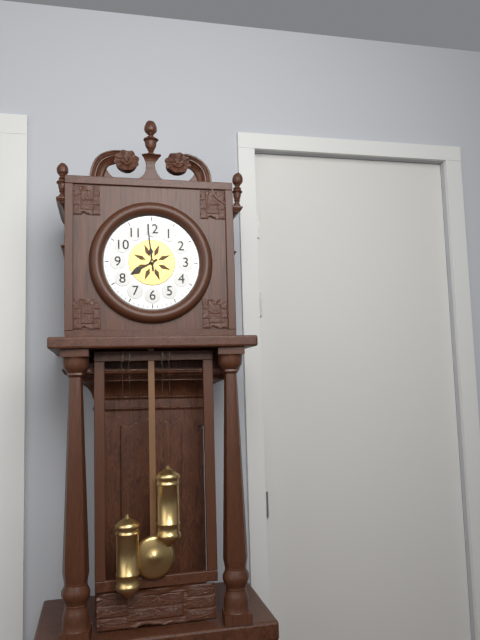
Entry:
7 h 59 min
